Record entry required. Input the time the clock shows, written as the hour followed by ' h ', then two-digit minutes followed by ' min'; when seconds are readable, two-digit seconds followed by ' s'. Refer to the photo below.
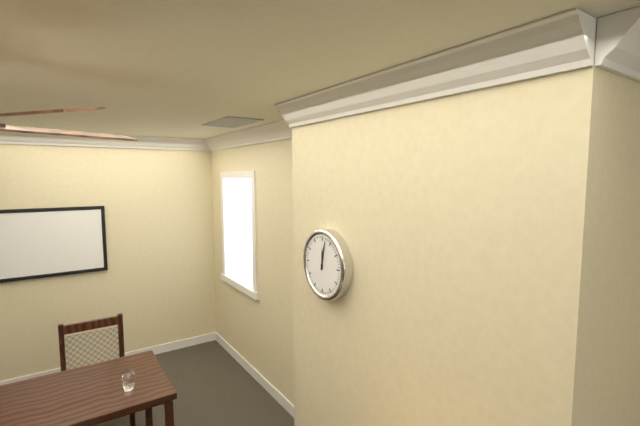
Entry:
12 h 02 min
